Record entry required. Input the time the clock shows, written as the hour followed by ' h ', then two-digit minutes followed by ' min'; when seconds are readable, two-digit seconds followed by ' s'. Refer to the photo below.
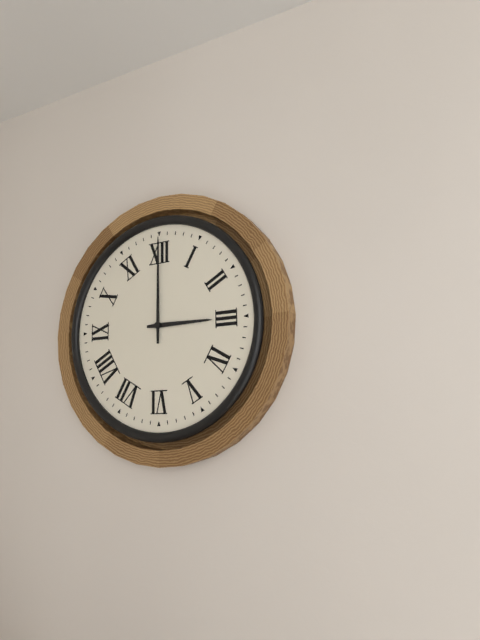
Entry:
3 h 00 min
